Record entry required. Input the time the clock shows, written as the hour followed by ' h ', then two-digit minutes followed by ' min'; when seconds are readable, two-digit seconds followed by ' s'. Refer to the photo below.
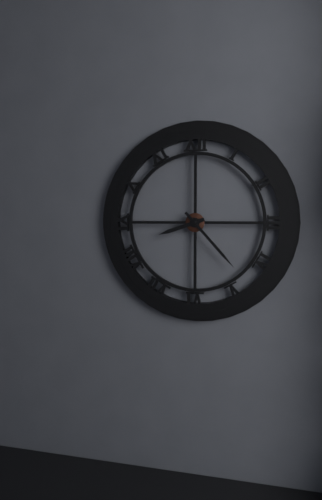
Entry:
8 h 23 min
